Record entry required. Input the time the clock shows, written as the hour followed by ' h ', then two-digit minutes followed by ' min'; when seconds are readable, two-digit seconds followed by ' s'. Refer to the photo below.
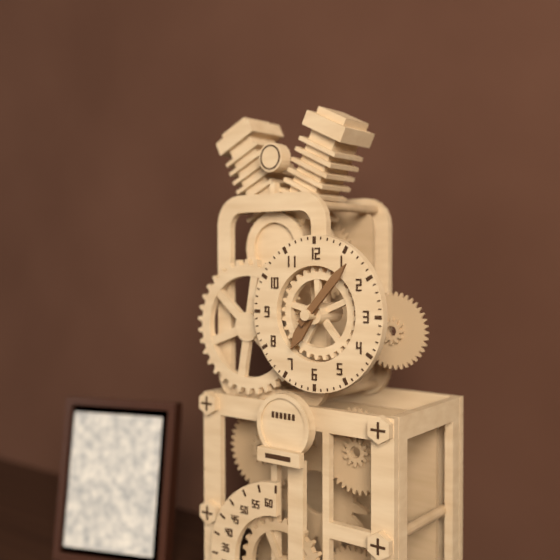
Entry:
7 h 07 min
